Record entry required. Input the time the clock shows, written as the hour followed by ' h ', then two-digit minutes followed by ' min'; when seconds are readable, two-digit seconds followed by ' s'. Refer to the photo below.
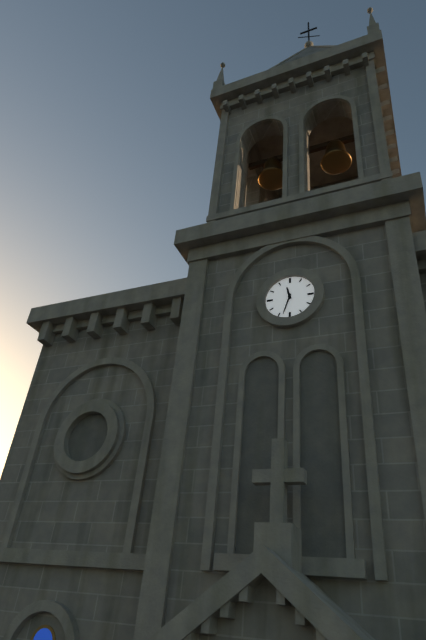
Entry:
11 h 33 min
